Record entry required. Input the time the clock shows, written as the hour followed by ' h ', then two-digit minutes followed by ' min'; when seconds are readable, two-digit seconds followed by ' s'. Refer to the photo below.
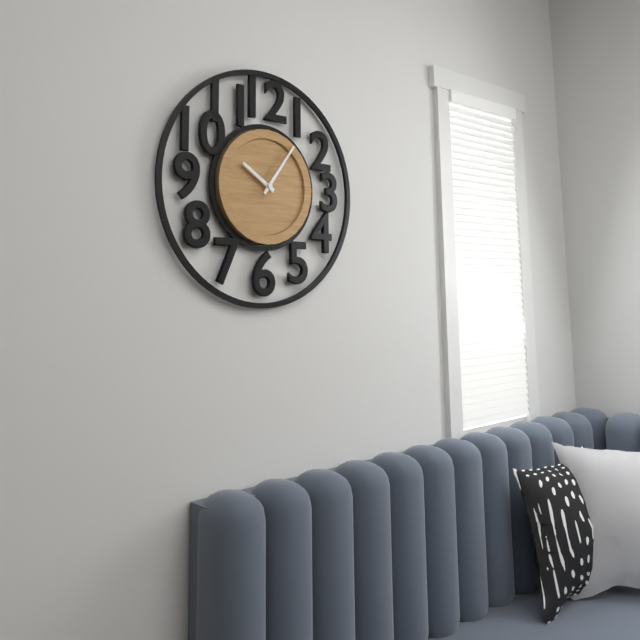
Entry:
10 h 06 min
